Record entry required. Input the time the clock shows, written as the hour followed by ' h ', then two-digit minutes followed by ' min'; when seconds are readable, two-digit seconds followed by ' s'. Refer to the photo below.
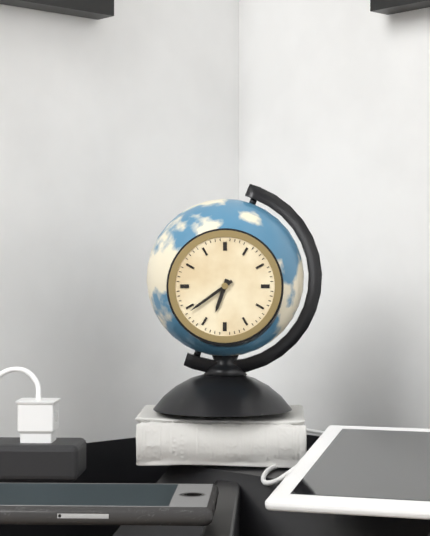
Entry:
6 h 39 min
